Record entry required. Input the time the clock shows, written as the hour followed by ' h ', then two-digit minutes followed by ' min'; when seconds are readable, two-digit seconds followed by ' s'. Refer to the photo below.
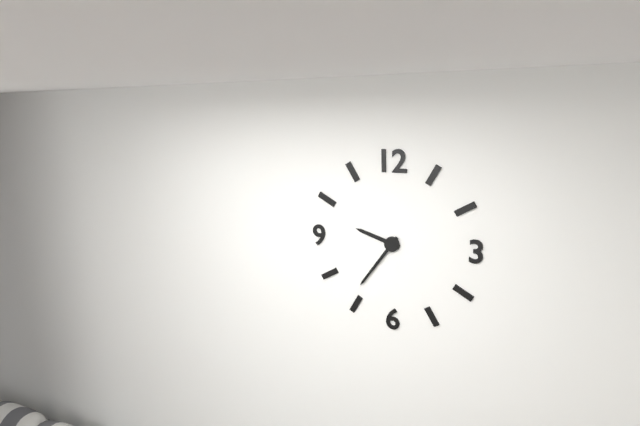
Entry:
9 h 36 min
